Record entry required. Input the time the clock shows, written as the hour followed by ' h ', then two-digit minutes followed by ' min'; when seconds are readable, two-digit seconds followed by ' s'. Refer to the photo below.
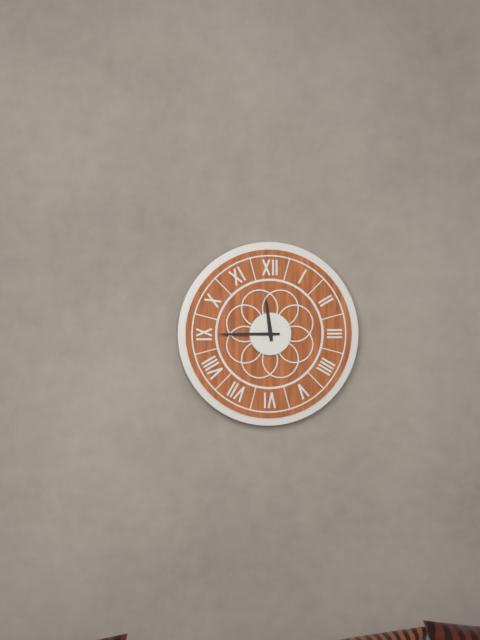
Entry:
11 h 45 min
